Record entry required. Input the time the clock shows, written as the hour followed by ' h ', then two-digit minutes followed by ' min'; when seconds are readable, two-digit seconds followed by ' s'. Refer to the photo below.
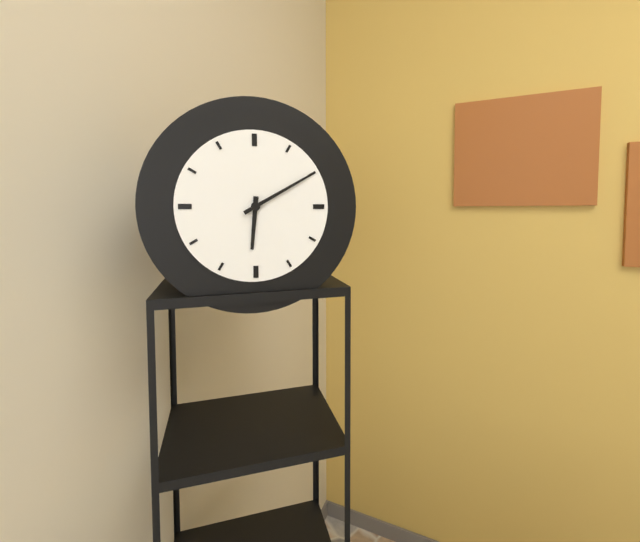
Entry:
6 h 10 min
